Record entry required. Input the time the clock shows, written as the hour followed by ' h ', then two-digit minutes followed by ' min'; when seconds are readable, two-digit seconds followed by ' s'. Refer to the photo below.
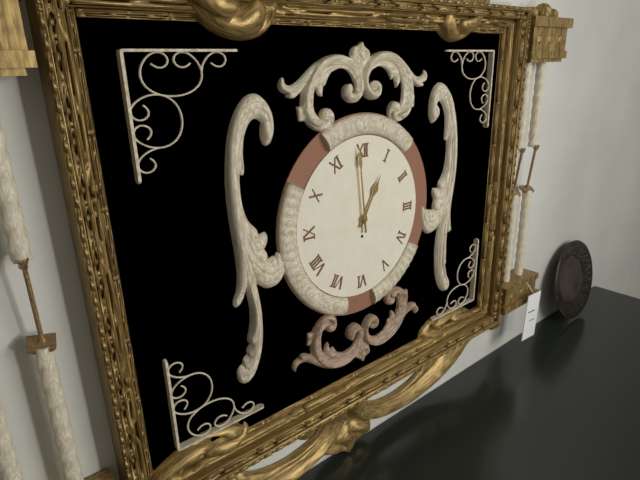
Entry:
12 h 59 min
